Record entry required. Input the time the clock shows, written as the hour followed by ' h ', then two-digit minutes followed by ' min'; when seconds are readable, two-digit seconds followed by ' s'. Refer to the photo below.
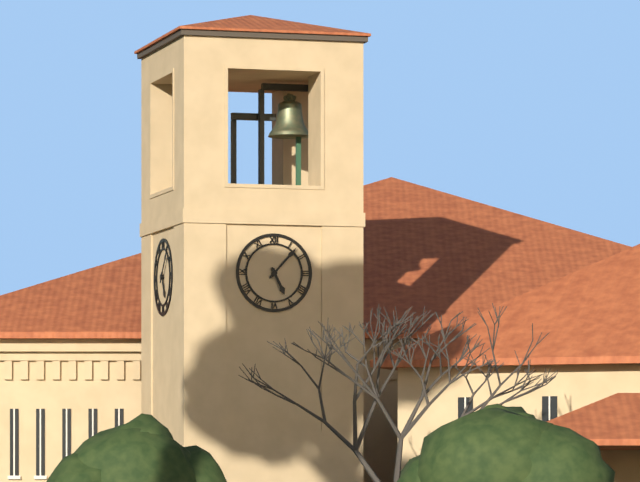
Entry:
5 h 07 min
